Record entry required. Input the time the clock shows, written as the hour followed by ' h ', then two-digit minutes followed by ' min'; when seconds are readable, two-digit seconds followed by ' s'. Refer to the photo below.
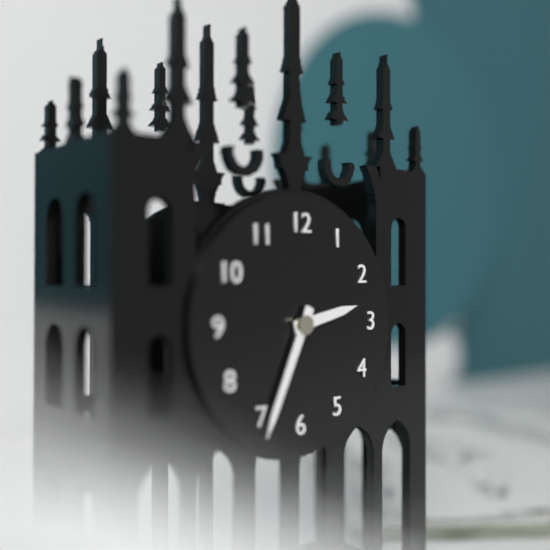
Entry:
2 h 34 min
